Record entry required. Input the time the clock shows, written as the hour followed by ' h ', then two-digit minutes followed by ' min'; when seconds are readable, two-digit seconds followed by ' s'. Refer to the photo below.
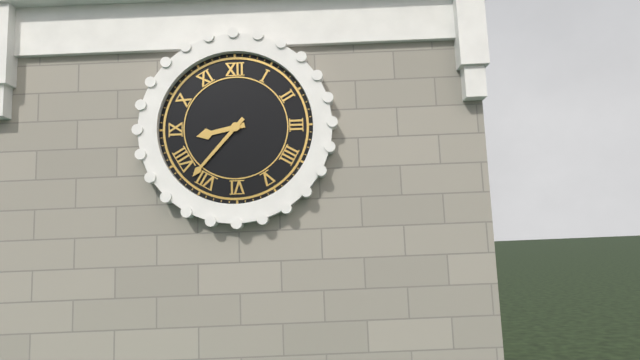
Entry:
8 h 37 min
